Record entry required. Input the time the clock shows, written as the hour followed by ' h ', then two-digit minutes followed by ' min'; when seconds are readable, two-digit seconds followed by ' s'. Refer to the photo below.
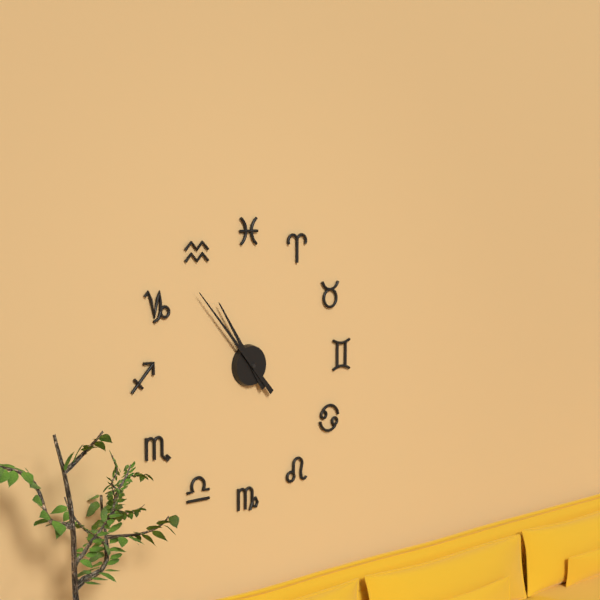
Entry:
10 h 53 min
